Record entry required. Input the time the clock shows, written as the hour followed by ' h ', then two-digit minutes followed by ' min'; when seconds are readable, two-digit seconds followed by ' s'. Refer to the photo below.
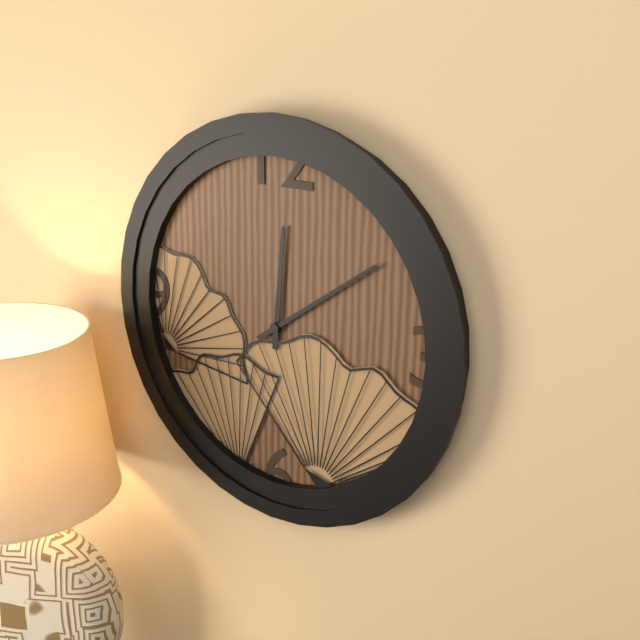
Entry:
12 h 09 min
